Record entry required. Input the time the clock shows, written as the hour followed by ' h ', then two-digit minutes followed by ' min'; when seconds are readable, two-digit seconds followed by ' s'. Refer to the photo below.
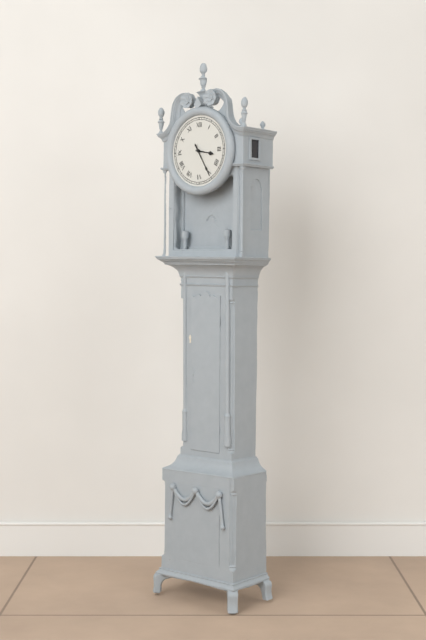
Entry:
3 h 25 min
